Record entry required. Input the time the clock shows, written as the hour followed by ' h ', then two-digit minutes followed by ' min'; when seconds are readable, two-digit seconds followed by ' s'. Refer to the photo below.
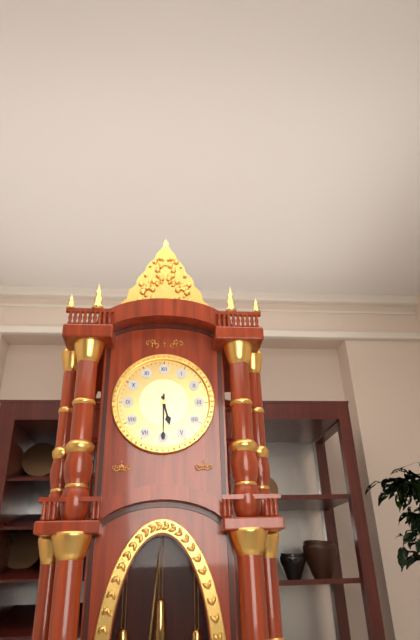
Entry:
5 h 30 min
